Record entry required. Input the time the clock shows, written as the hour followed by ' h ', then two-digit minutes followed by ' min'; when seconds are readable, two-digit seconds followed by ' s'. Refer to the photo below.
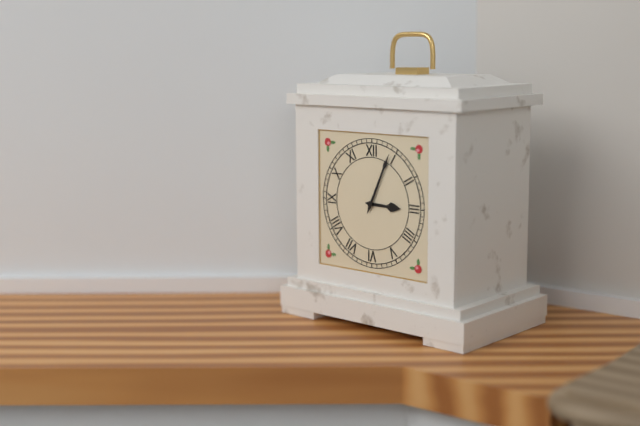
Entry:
3 h 04 min
